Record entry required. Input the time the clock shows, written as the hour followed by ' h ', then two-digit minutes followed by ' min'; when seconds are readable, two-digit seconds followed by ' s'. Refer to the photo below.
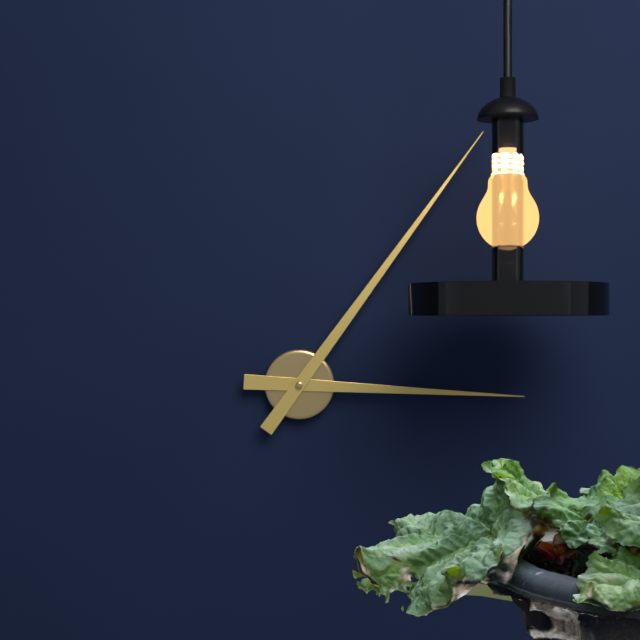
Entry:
3 h 06 min
